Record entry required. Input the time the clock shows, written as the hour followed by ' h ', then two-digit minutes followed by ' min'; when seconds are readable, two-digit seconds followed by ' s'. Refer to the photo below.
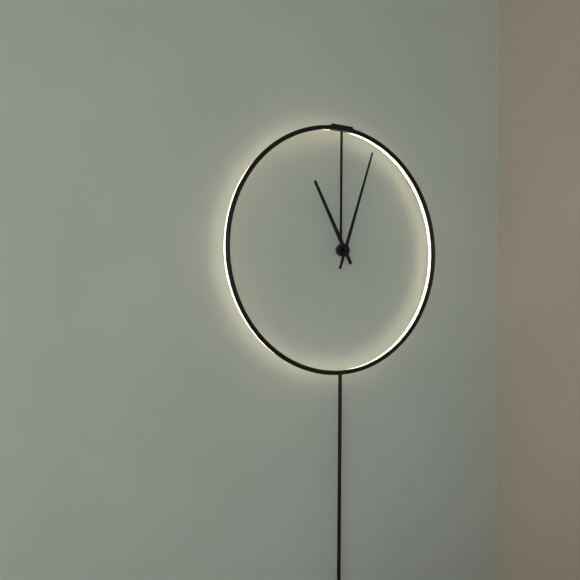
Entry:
11 h 03 min
